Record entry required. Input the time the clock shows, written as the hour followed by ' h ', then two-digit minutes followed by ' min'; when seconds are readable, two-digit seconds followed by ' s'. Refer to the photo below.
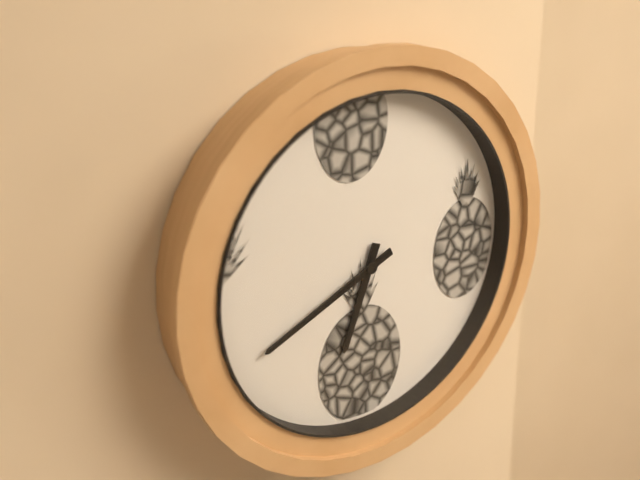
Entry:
6 h 41 min
